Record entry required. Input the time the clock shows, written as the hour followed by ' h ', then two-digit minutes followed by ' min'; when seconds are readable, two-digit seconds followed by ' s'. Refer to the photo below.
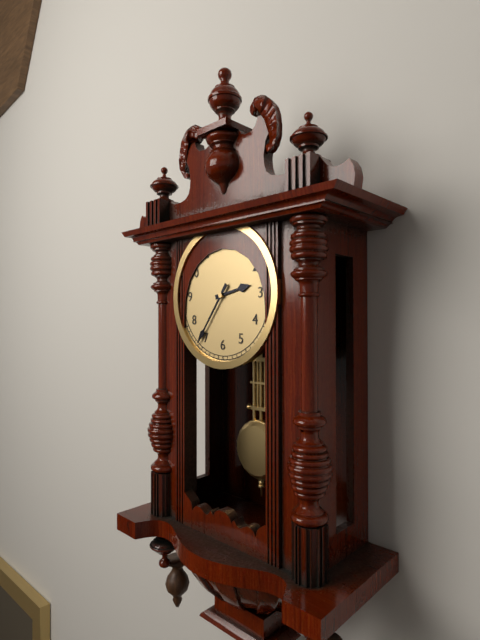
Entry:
2 h 36 min
